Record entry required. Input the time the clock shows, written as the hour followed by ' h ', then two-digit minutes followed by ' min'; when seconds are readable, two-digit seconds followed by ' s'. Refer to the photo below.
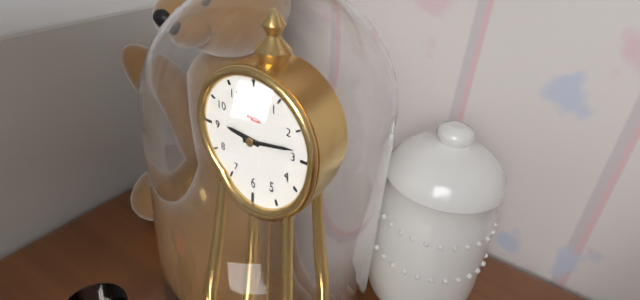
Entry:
9 h 13 min
